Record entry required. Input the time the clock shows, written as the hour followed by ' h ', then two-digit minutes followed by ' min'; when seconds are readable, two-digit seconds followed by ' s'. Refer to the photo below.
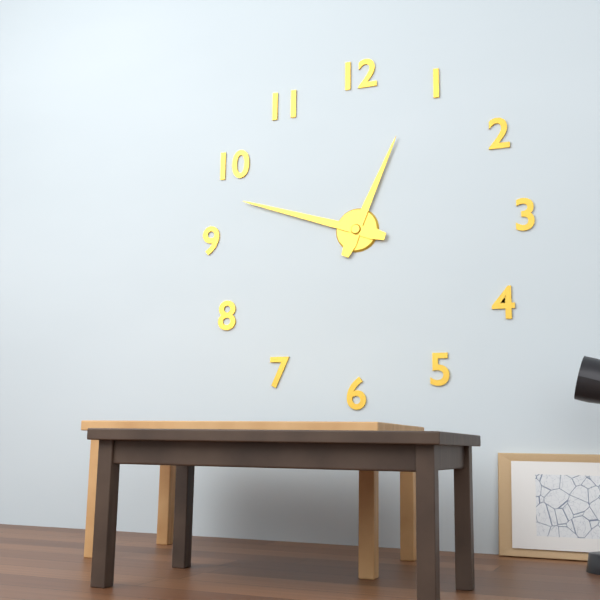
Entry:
12 h 48 min
